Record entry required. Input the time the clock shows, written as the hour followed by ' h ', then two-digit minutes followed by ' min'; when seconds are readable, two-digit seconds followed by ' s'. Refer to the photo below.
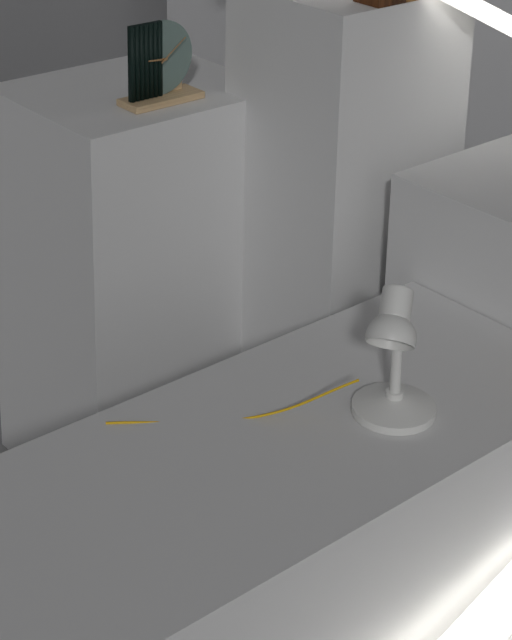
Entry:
9 h 09 min
